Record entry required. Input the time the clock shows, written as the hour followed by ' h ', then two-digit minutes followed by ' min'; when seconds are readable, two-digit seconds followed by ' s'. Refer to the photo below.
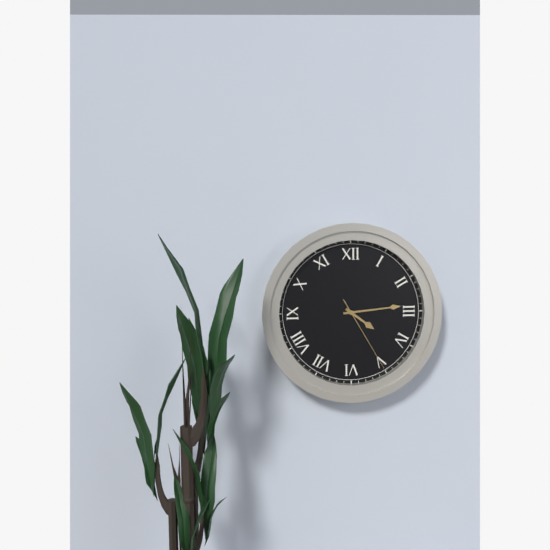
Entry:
4 h 14 min 25 s
